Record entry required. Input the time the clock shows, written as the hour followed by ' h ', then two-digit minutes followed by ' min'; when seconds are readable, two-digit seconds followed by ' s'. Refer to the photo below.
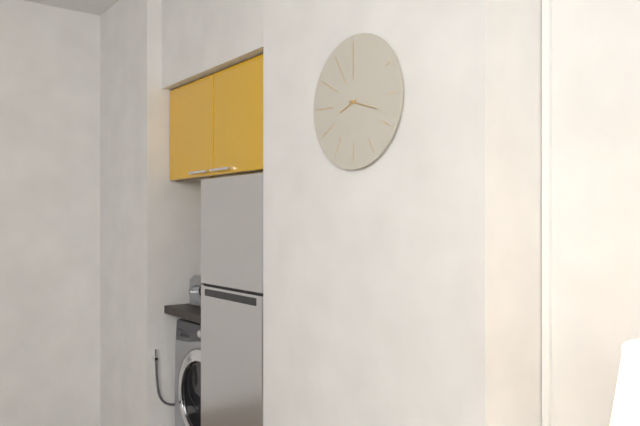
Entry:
8 h 18 min
